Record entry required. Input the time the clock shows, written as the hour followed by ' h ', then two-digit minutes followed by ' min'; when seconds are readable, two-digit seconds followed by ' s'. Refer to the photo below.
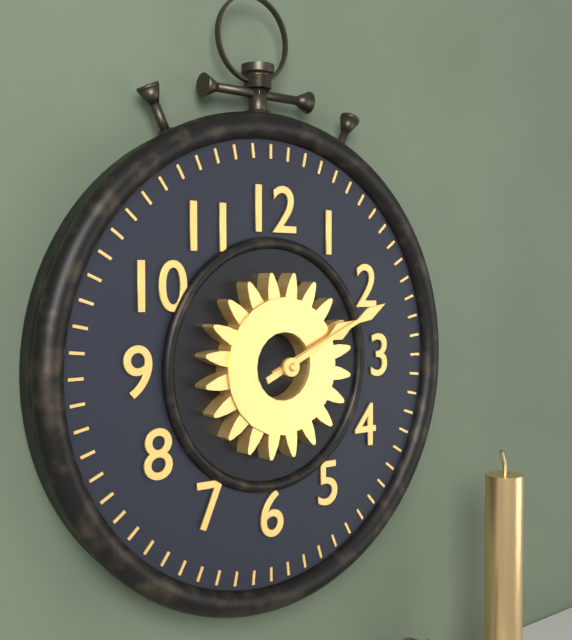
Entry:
2 h 11 min
